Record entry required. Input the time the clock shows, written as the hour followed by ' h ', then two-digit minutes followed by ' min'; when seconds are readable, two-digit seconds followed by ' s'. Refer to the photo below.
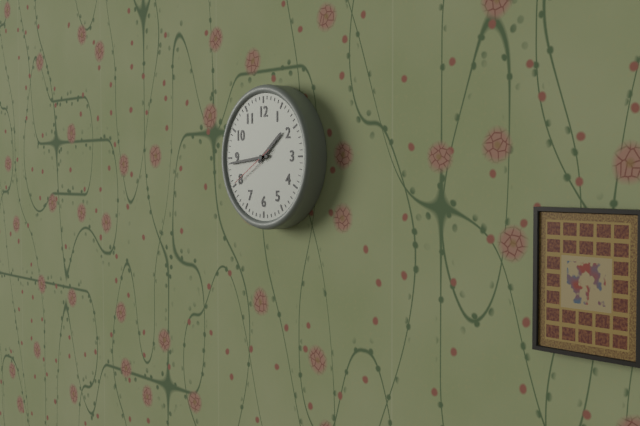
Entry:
1 h 44 min
